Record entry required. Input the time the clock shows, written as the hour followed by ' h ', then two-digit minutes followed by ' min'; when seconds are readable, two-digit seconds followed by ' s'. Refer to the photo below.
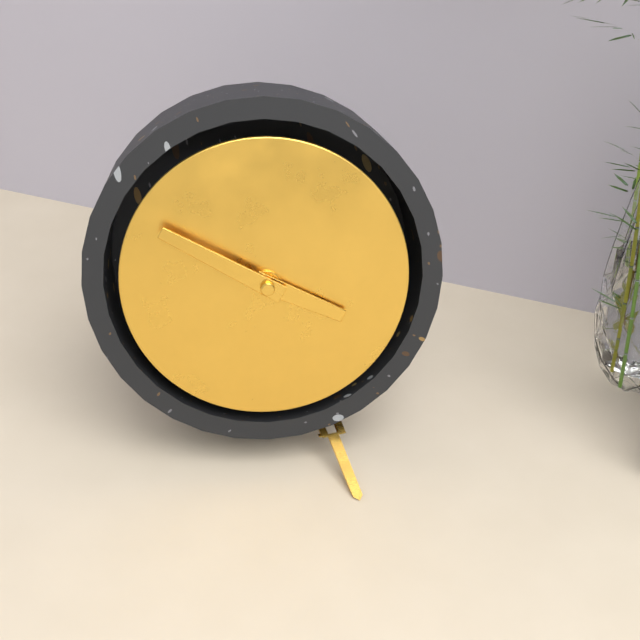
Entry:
3 h 50 min
